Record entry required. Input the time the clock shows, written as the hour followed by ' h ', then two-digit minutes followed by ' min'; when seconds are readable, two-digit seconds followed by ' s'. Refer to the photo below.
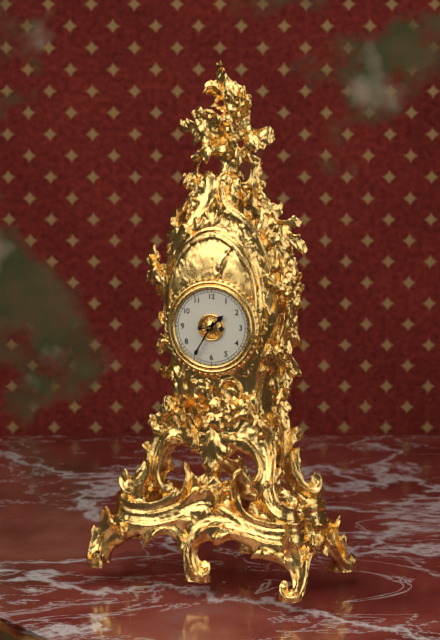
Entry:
1 h 35 min
